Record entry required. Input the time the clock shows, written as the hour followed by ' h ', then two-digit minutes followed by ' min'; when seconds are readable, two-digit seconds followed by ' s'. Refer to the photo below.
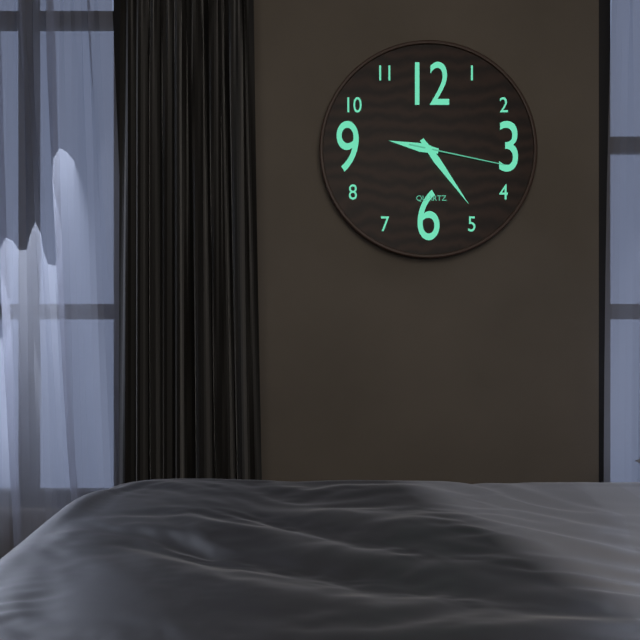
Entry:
9 h 24 min 17 s
